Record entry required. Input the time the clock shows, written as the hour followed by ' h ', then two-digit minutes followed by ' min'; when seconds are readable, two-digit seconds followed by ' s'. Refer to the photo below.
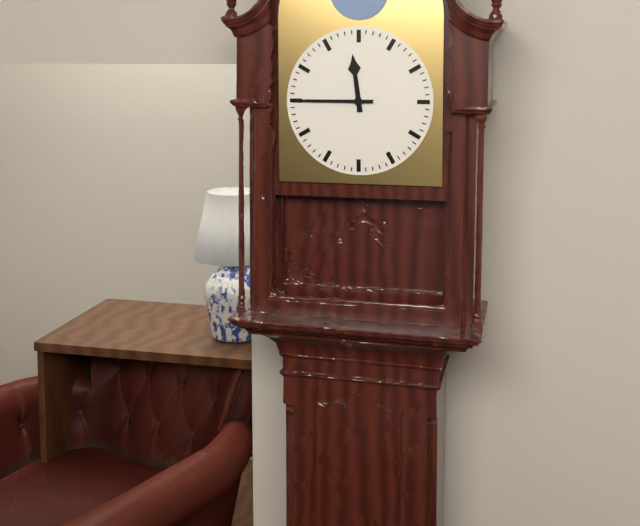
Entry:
11 h 45 min
